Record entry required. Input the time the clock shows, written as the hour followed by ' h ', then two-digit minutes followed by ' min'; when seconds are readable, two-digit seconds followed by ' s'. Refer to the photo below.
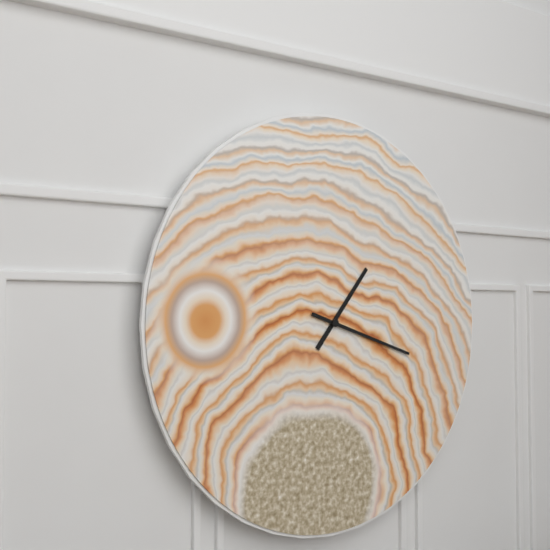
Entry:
1 h 18 min
